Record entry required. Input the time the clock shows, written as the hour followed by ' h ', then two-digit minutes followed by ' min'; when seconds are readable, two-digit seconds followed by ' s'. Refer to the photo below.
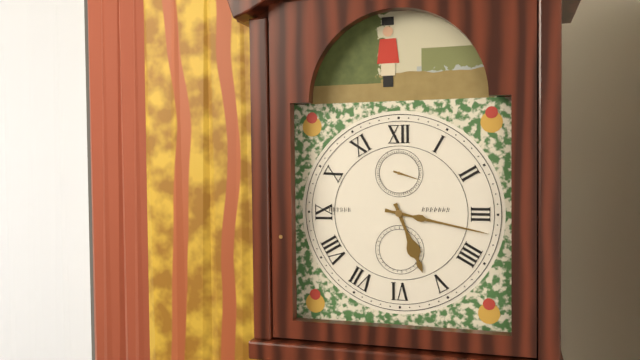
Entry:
5 h 17 min
